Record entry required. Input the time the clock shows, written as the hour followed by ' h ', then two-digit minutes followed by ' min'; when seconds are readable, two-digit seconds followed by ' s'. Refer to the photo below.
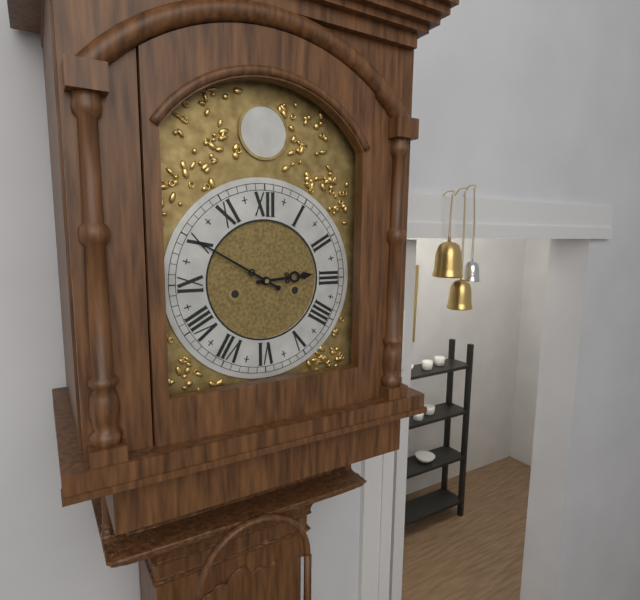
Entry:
2 h 50 min
